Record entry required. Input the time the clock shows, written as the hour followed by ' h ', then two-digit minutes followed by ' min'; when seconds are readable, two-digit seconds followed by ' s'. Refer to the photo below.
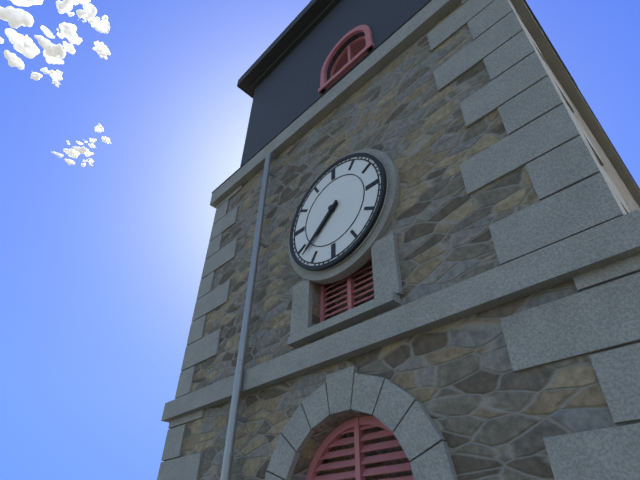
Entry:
7 h 38 min
